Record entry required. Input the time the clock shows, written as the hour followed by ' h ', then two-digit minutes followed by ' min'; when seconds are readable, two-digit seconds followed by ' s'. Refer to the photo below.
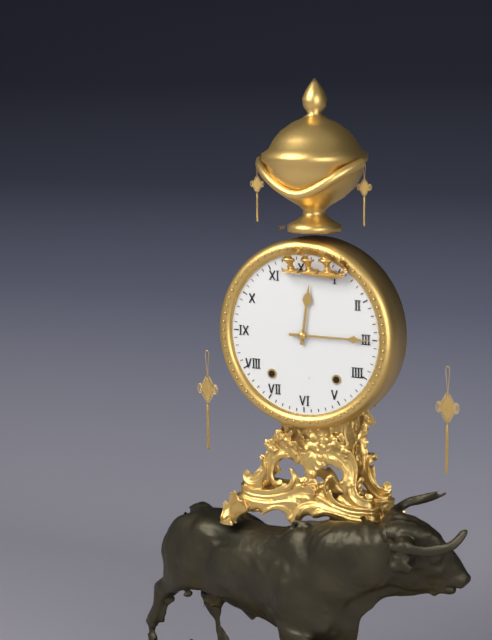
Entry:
12 h 15 min
